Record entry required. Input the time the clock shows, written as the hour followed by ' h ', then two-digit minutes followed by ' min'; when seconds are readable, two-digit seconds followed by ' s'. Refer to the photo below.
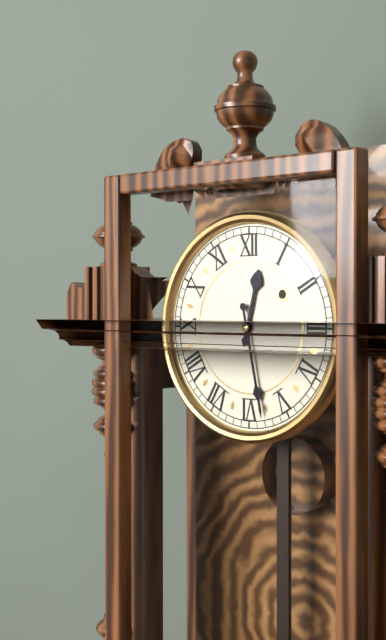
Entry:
12 h 28 min
